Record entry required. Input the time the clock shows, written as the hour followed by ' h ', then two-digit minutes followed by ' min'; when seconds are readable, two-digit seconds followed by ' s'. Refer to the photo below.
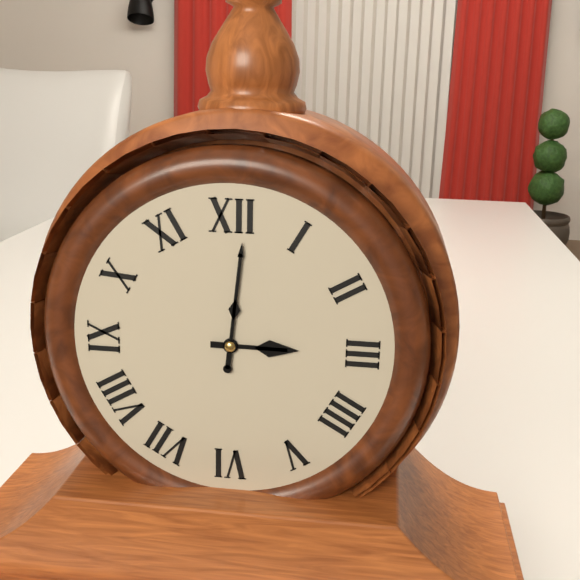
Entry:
3 h 01 min
